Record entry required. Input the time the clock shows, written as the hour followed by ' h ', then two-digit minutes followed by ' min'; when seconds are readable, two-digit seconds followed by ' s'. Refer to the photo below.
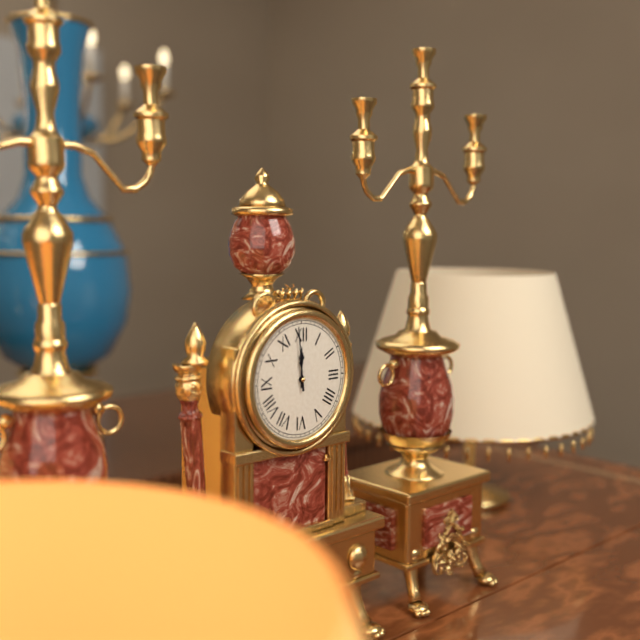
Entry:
11 h 59 min
